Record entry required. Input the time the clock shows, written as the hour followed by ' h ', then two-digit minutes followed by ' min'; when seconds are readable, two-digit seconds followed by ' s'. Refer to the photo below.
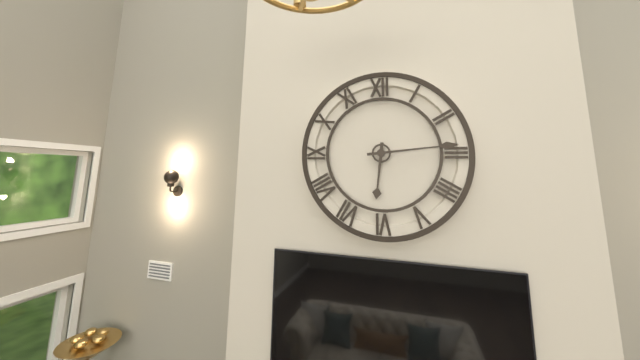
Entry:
6 h 14 min
